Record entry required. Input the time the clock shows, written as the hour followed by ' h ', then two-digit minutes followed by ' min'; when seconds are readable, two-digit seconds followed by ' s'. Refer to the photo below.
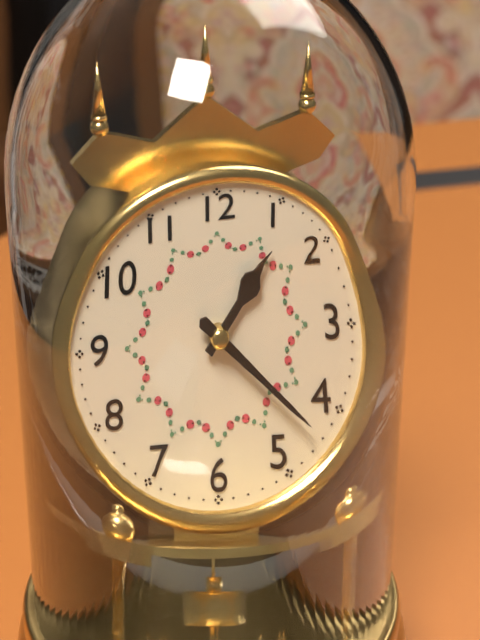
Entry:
1 h 22 min
